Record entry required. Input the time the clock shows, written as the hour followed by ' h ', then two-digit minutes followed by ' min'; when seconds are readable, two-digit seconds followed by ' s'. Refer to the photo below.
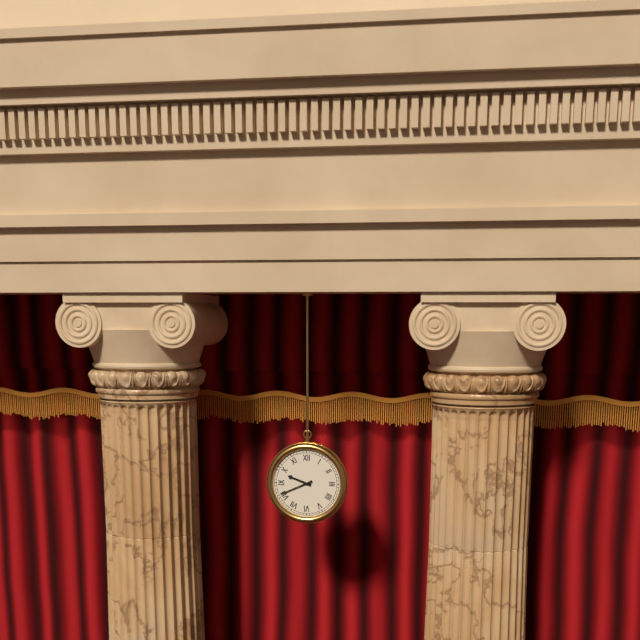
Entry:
9 h 41 min
